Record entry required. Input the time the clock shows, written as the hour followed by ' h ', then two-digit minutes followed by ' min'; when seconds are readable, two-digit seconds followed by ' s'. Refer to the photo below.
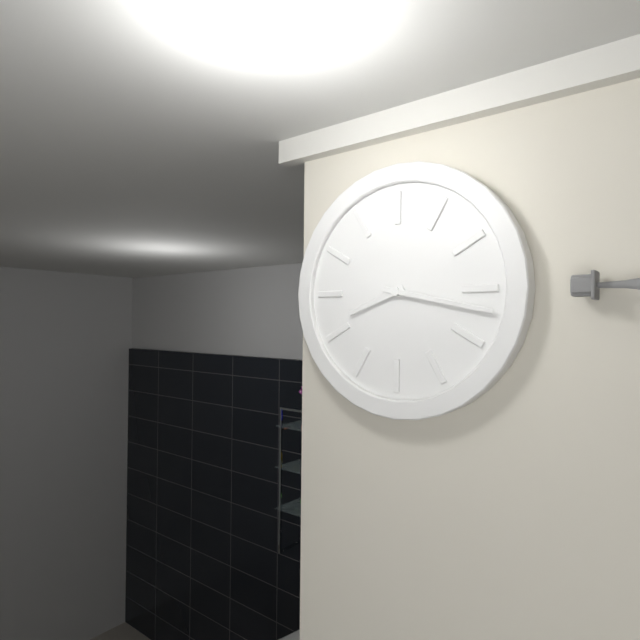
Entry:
8 h 17 min
